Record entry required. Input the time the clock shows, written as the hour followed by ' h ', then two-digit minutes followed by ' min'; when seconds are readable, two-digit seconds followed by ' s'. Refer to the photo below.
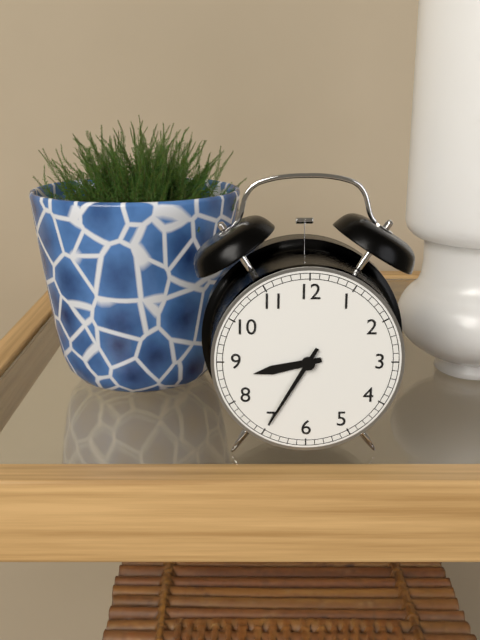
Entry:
8 h 35 min
